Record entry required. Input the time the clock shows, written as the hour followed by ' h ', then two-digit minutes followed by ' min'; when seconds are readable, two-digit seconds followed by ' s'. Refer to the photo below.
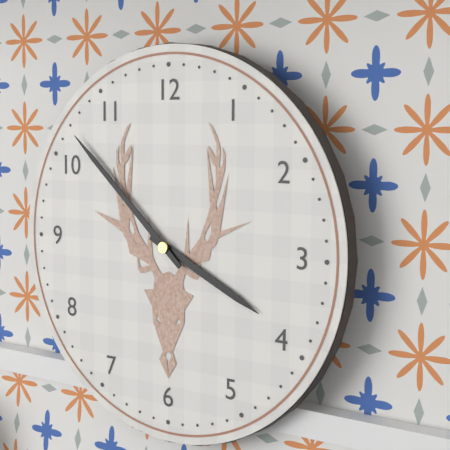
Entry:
3 h 52 min
